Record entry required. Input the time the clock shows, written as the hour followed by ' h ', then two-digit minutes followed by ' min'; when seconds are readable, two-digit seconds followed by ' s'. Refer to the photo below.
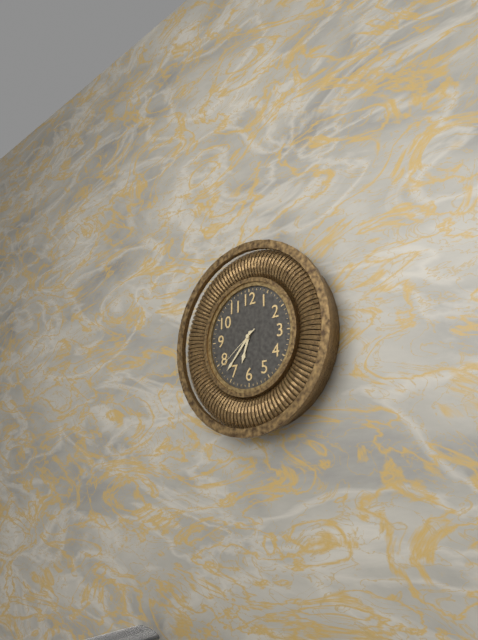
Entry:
6 h 37 min 39 s
